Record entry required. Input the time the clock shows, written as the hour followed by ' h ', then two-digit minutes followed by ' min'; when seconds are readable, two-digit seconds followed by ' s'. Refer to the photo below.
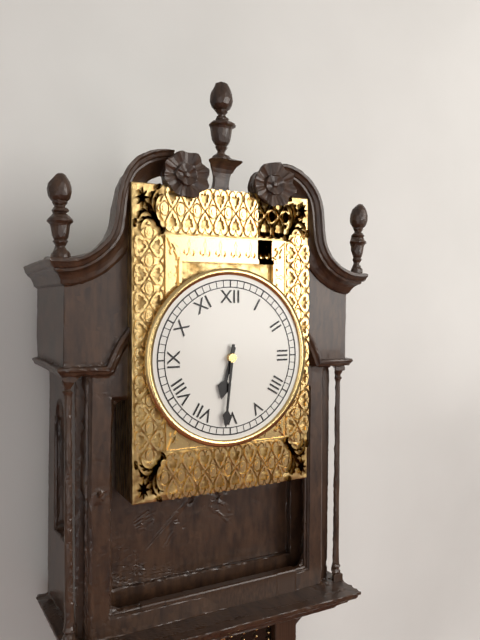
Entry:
6 h 31 min
